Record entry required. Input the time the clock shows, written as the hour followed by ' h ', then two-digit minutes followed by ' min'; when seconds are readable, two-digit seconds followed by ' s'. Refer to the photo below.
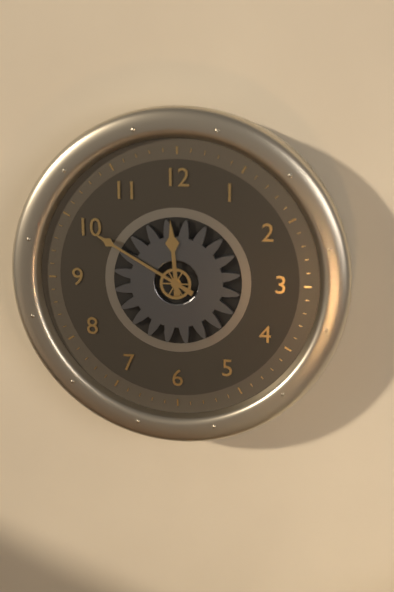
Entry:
11 h 50 min
